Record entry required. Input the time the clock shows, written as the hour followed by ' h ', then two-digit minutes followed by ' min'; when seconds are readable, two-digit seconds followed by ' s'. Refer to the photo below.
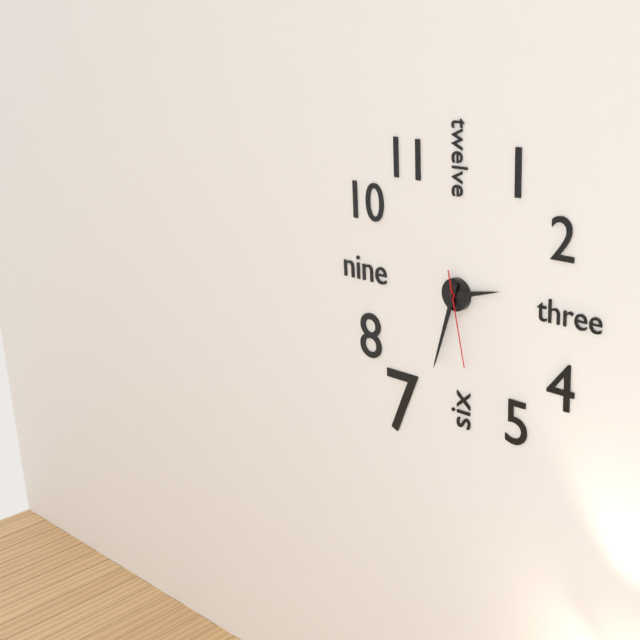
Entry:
2 h 33 min 28 s
